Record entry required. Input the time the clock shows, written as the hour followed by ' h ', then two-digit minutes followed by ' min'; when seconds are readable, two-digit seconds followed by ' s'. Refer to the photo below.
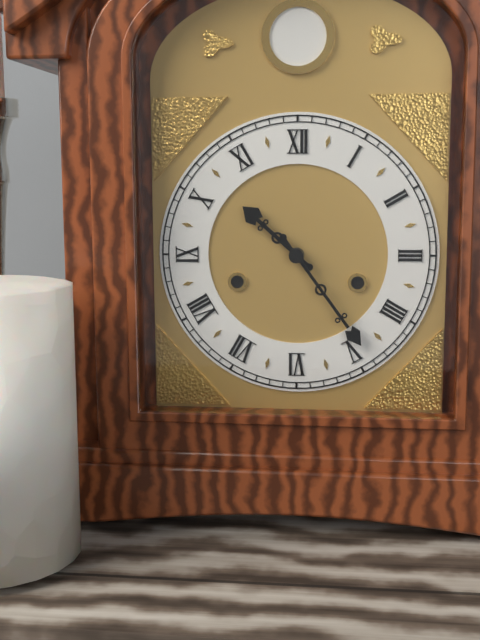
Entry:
10 h 24 min
